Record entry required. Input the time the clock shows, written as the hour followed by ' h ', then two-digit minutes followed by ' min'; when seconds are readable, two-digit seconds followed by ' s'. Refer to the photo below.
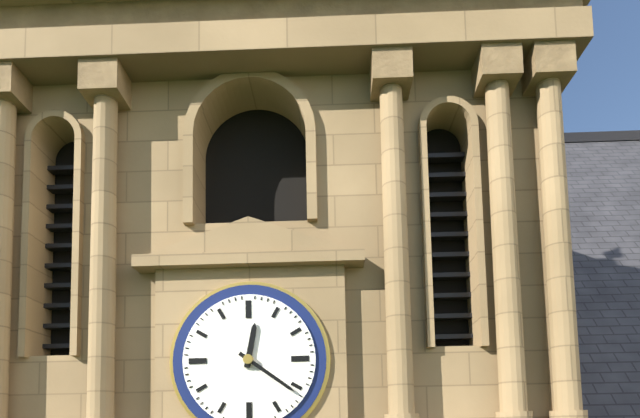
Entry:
12 h 21 min
